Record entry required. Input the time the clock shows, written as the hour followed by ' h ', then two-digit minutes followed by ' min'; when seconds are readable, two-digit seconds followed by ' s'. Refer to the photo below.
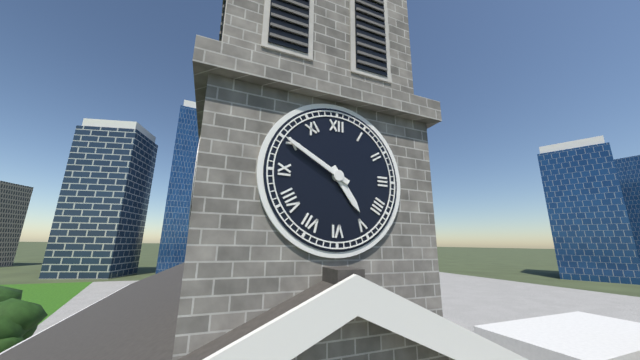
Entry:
4 h 50 min
